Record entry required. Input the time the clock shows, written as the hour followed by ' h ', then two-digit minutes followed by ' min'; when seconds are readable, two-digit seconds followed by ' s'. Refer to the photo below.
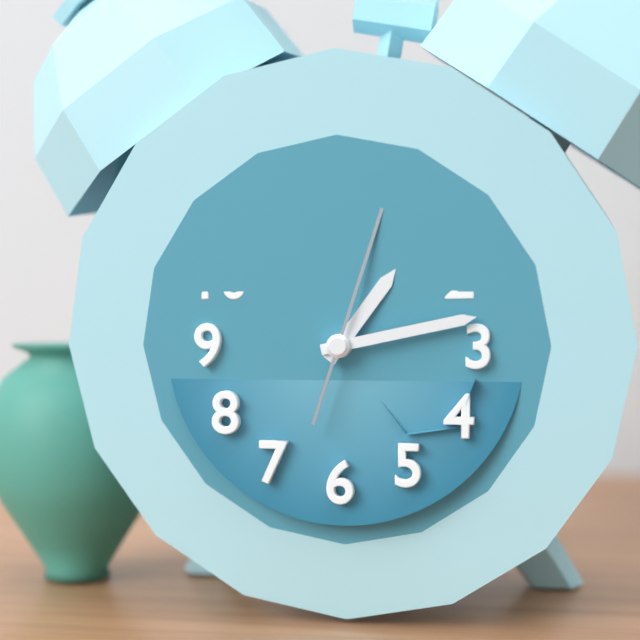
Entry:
1 h 13 min 03 s
